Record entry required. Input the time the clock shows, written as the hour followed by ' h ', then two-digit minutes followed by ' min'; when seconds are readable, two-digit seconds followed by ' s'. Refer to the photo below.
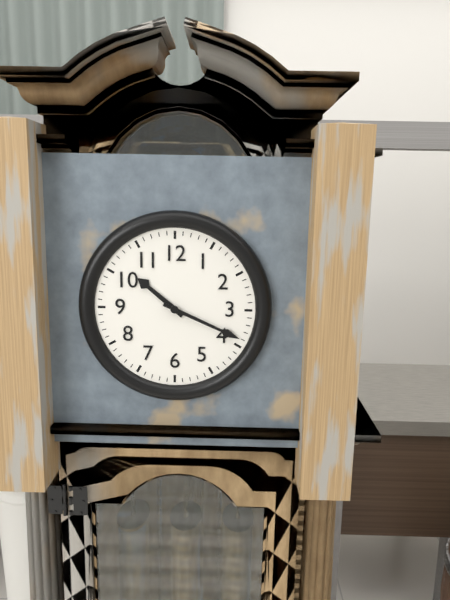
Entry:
10 h 19 min
